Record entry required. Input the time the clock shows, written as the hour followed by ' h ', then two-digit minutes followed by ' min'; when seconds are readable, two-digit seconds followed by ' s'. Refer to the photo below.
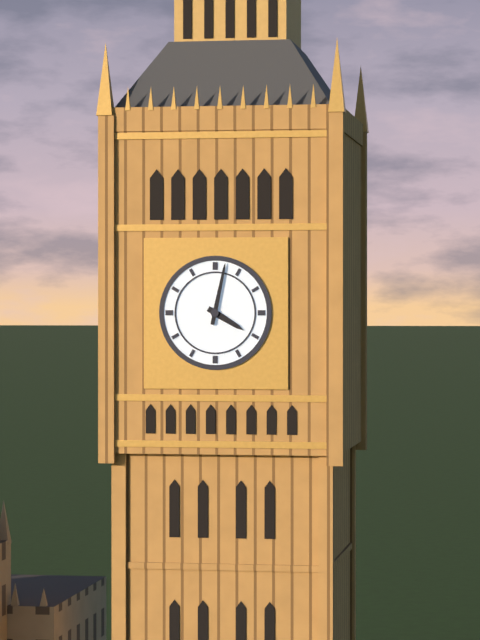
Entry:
4 h 02 min
